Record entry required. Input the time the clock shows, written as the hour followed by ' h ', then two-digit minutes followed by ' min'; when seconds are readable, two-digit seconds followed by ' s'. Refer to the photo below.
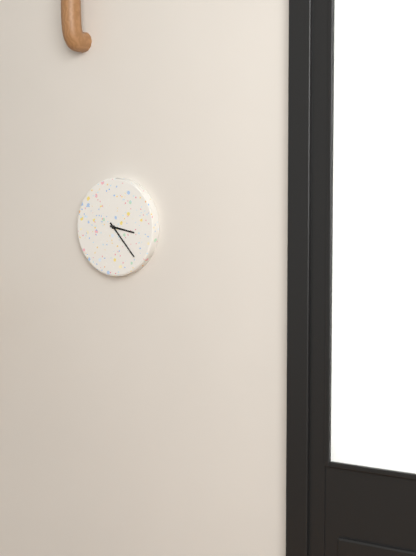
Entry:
3 h 23 min
